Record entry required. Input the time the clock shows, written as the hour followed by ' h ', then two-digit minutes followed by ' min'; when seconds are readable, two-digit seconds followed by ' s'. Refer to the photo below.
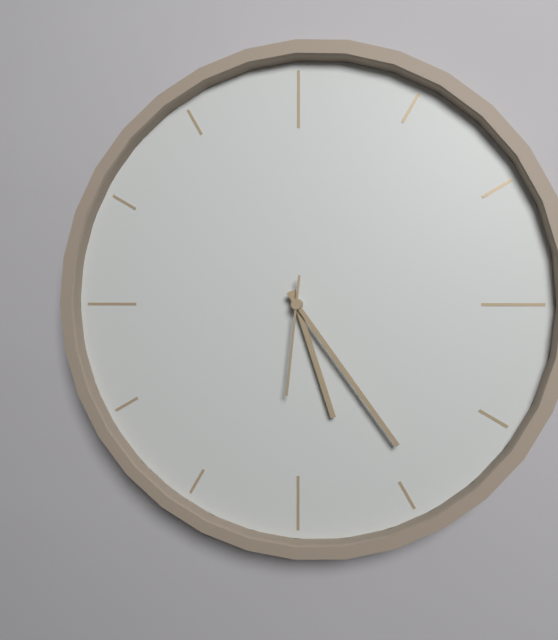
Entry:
5 h 24 min 31 s
